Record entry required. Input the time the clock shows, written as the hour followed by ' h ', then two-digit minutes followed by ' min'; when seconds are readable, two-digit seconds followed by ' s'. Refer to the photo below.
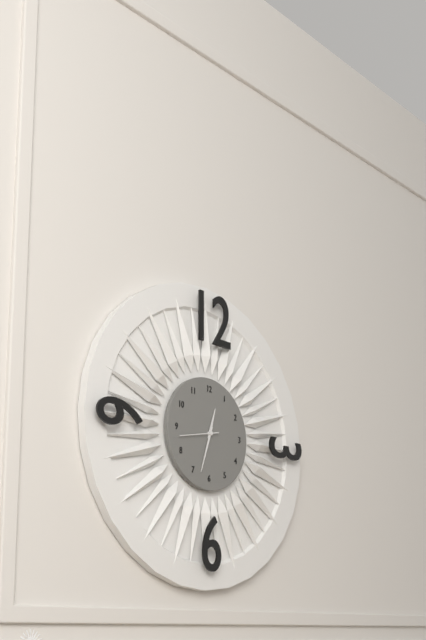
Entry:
12 h 33 min
